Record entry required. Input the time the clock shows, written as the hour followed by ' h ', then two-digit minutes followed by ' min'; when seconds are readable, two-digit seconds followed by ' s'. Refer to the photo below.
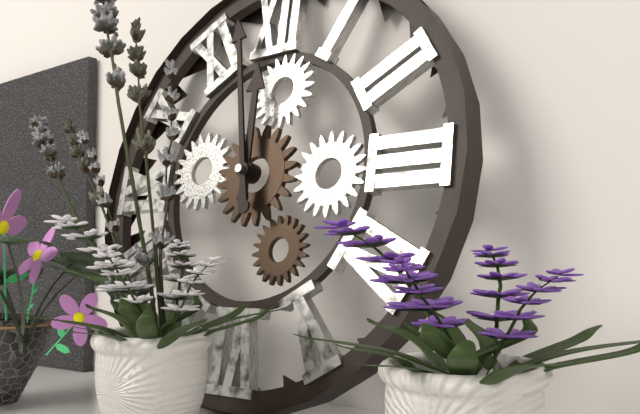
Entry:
11 h 58 min
